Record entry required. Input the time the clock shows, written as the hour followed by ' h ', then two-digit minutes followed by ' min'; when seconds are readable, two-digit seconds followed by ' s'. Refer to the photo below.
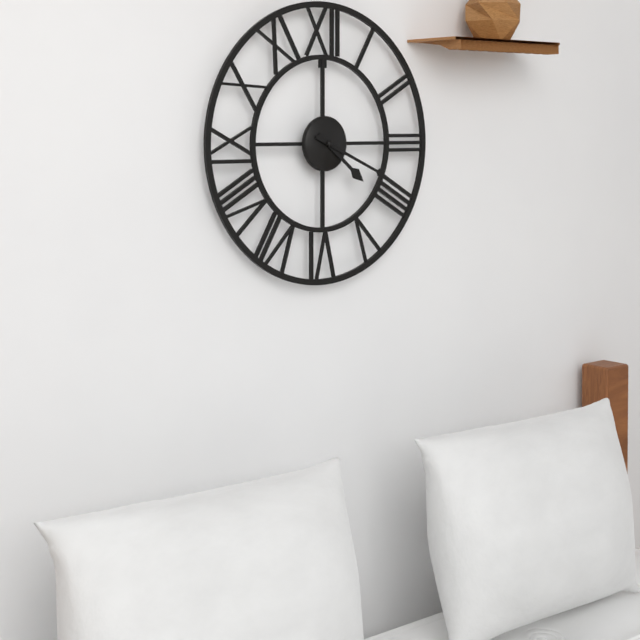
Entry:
4 h 19 min
